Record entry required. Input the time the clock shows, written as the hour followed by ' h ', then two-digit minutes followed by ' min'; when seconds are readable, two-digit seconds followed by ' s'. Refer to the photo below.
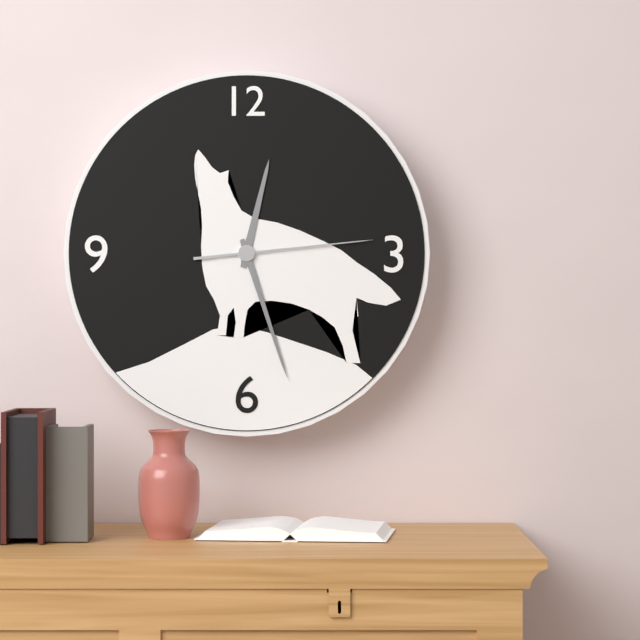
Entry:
12 h 27 min 14 s
